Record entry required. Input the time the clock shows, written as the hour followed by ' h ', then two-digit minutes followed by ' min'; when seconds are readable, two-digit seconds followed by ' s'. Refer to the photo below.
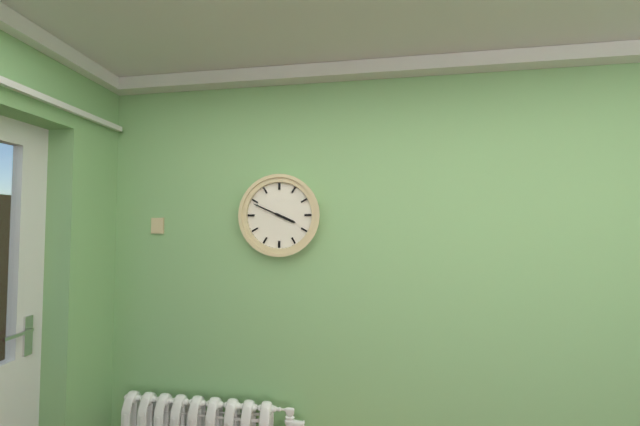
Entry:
3 h 49 min
